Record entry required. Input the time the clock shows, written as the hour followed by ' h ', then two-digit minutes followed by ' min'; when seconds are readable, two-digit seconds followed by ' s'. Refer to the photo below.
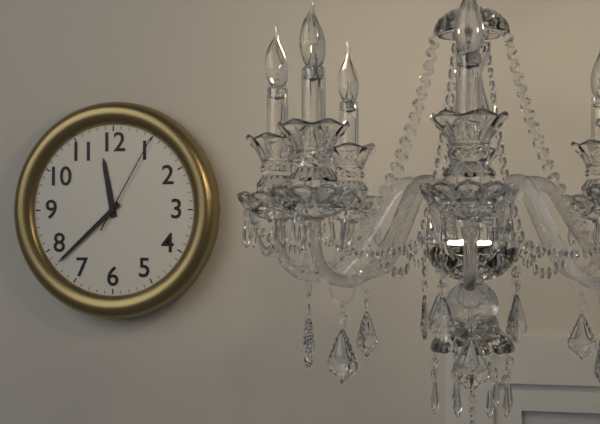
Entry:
11 h 38 min 05 s
